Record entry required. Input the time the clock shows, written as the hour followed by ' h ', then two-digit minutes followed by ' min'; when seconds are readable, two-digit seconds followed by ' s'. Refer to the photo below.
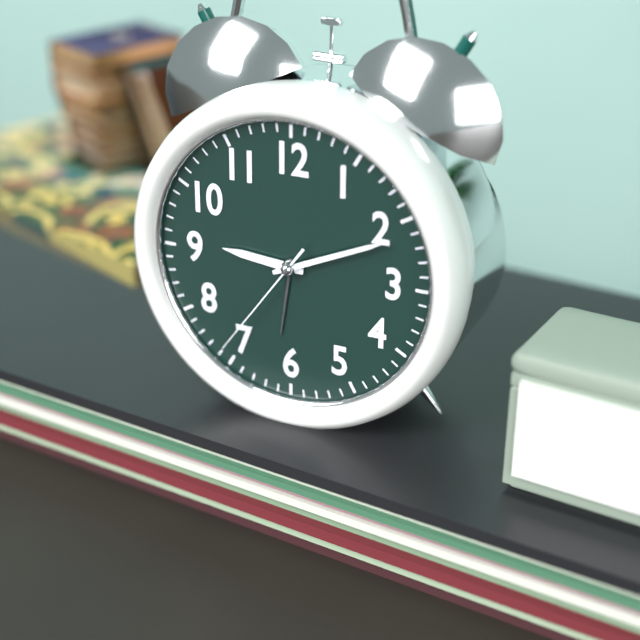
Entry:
9 h 11 min 36 s
